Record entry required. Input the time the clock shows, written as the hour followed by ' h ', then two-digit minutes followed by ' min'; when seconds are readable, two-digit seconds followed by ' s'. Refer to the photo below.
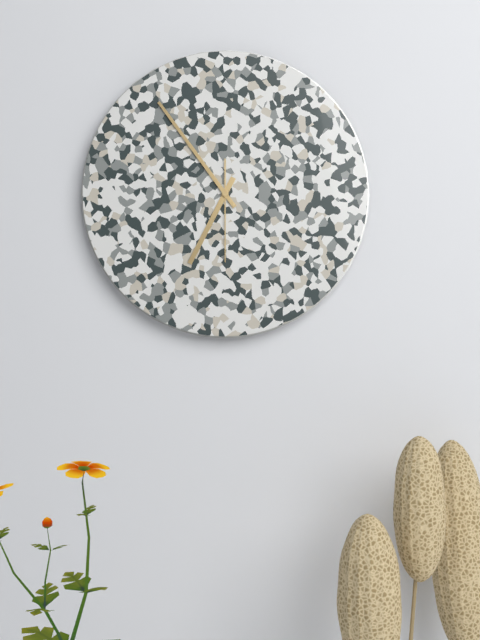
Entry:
6 h 54 min 30 s
